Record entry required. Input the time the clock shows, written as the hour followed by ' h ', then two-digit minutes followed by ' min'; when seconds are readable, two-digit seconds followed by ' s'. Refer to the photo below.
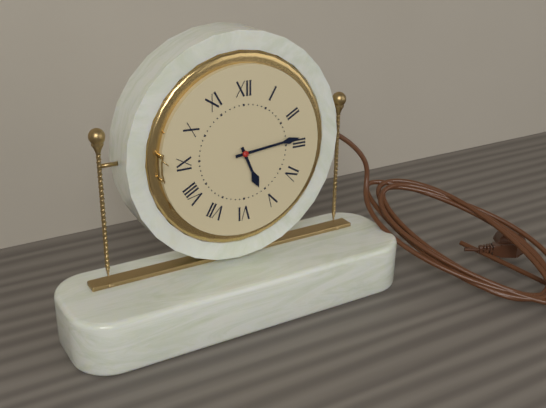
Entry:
5 h 14 min
